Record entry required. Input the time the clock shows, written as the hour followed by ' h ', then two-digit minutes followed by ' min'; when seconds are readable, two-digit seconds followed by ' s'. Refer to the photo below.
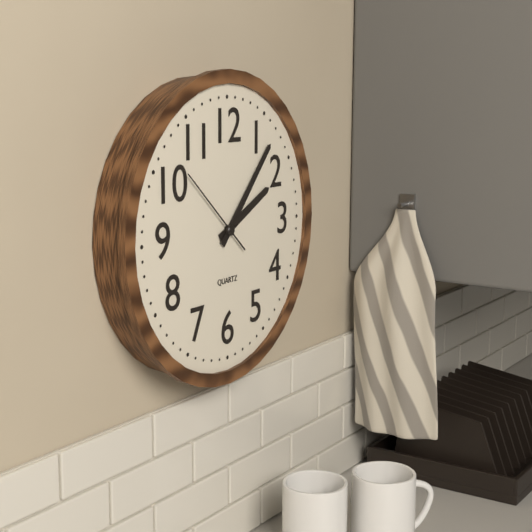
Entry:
2 h 07 min 52 s
